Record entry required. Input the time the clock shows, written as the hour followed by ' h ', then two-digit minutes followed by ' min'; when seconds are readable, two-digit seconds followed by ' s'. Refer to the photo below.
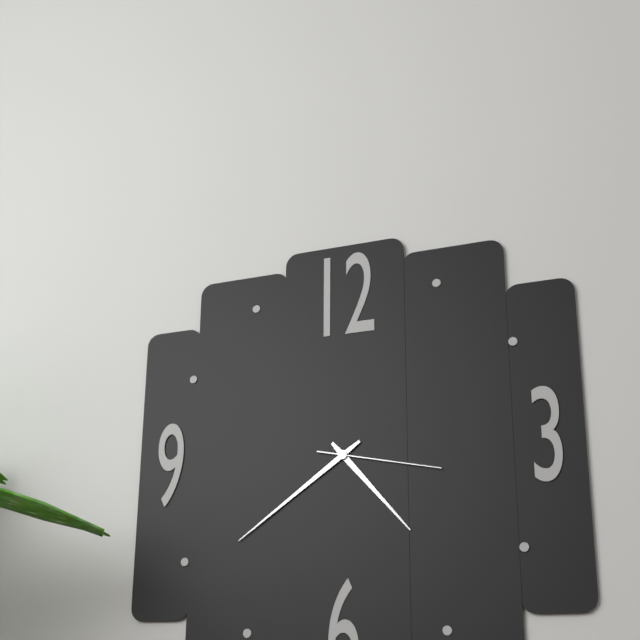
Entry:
4 h 39 min 17 s
